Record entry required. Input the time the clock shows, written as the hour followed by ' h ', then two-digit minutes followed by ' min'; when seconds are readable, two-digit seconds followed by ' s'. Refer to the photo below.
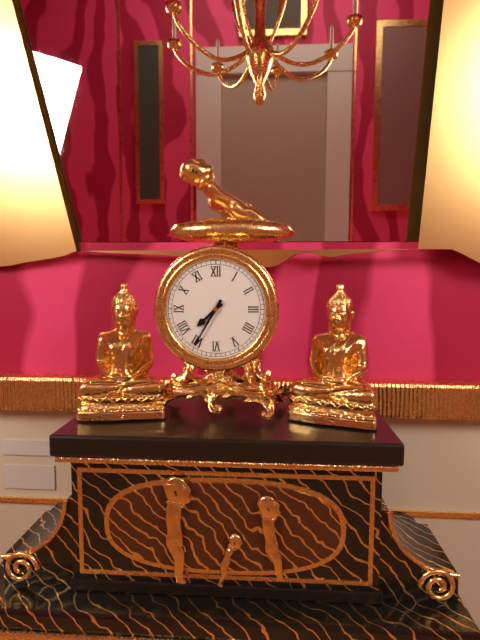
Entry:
7 h 35 min
